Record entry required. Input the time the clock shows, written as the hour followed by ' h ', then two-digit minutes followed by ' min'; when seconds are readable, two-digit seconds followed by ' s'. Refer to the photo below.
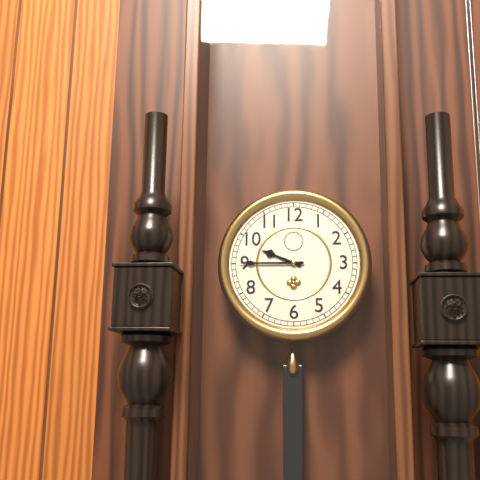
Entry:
9 h 45 min
